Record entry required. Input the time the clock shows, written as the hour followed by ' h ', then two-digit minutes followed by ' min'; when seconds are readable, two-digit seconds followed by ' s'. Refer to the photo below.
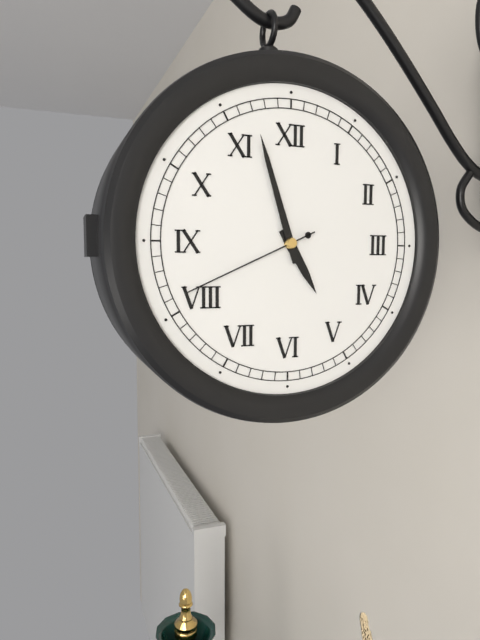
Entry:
4 h 57 min 41 s
